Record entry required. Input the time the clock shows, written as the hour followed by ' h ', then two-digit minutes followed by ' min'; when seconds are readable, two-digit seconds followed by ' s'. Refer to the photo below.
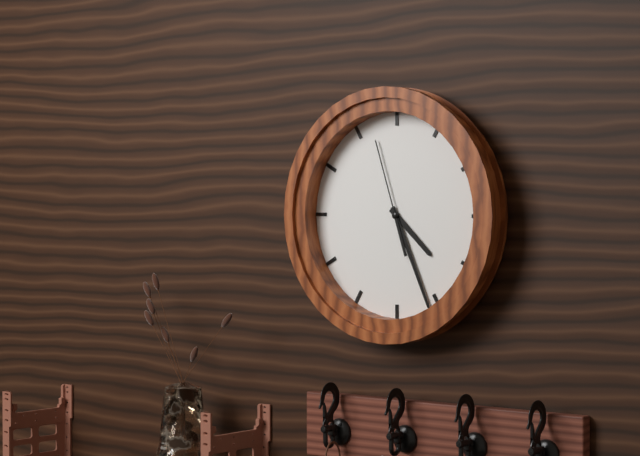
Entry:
4 h 26 min 57 s
